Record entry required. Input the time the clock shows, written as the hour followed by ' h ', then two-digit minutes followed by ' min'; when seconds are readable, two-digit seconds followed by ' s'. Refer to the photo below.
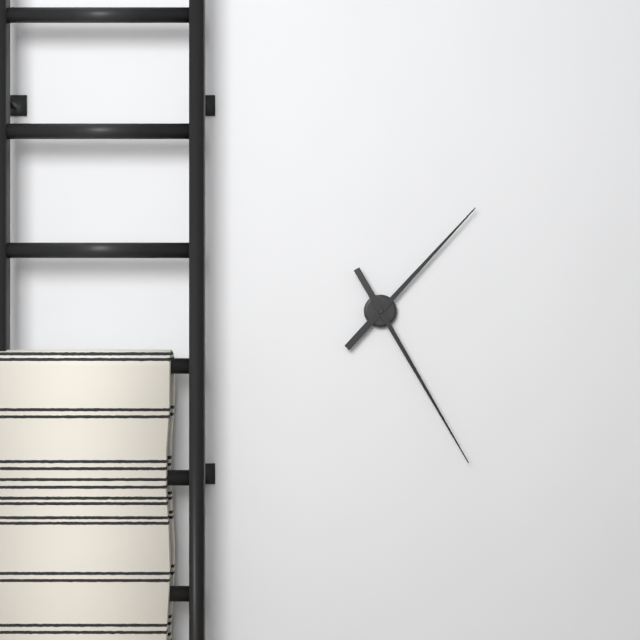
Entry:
1 h 25 min
